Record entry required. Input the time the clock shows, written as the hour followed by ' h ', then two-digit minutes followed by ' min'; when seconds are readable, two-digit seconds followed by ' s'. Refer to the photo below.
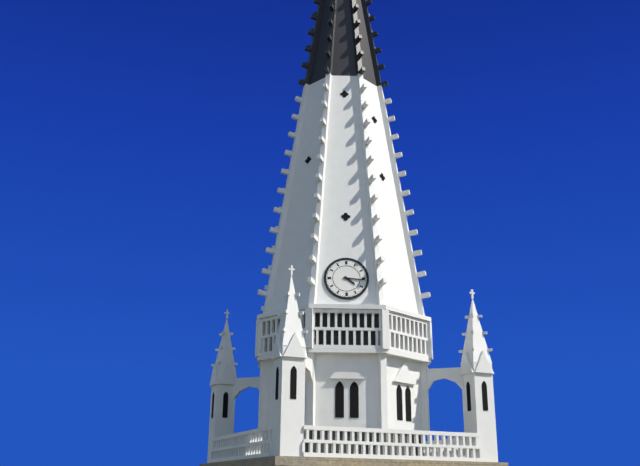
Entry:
4 h 16 min
